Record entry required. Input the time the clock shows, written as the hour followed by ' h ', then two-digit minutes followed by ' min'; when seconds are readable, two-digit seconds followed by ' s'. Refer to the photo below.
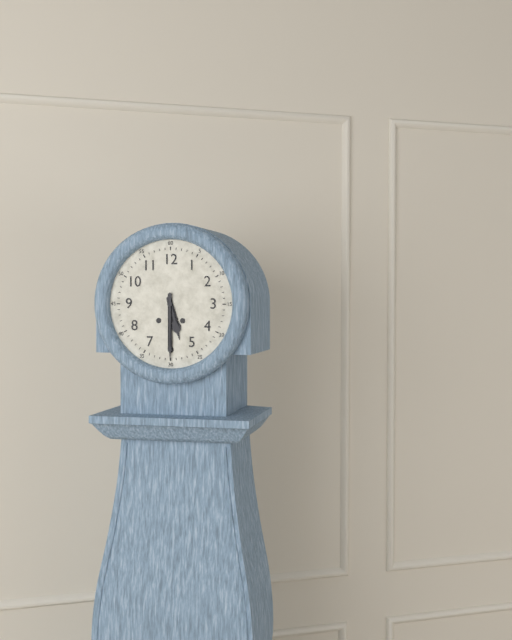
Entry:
5 h 30 min
